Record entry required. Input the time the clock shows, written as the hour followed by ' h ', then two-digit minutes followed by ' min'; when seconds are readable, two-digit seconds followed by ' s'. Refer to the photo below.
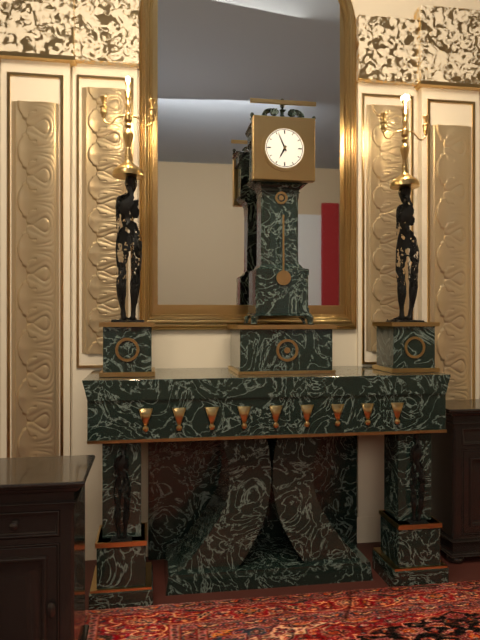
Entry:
6 h 56 min
